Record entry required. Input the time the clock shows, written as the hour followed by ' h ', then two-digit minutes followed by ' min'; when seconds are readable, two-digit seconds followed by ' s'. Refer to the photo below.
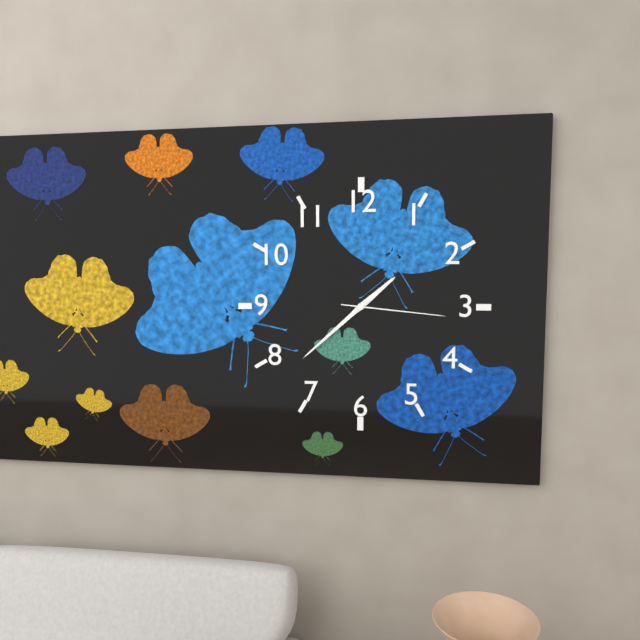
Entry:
1 h 38 min 16 s
